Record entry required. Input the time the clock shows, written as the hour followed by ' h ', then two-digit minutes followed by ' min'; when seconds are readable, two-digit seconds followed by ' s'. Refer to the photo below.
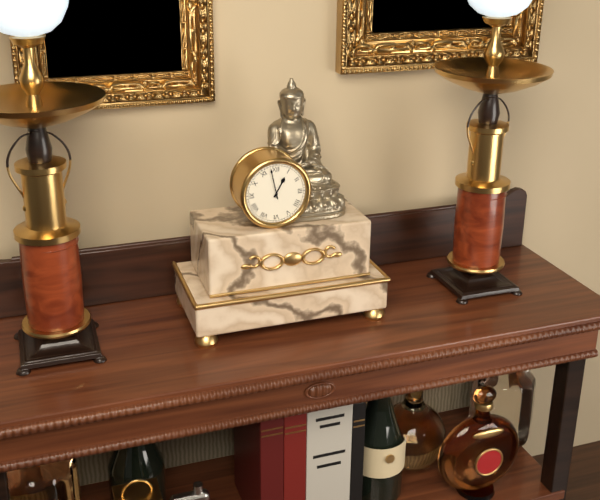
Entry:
12 h 58 min
